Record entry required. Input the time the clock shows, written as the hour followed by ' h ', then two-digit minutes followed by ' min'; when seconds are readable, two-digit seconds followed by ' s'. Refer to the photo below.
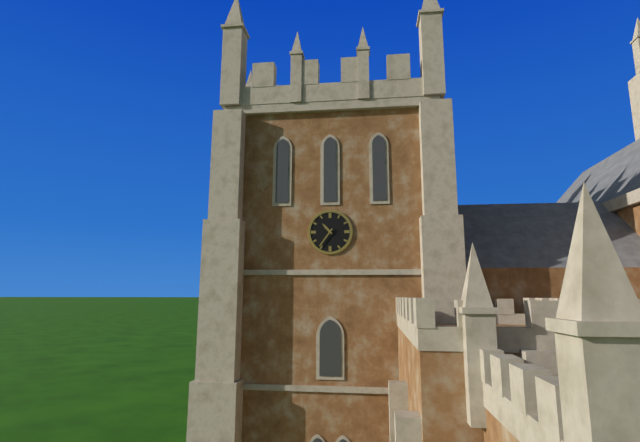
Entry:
10 h 36 min
